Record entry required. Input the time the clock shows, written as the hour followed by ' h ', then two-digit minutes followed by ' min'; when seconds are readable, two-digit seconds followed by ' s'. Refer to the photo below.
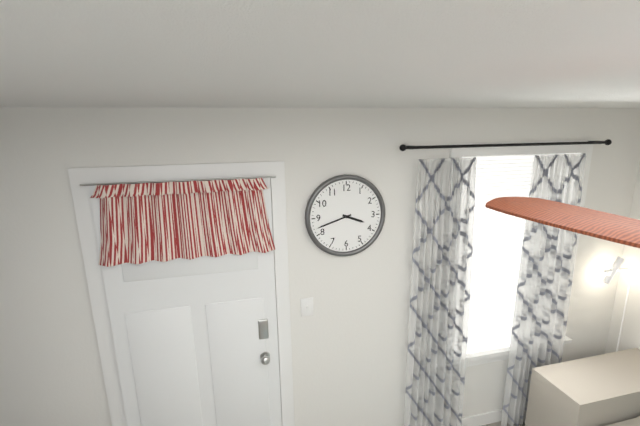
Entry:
3 h 42 min
